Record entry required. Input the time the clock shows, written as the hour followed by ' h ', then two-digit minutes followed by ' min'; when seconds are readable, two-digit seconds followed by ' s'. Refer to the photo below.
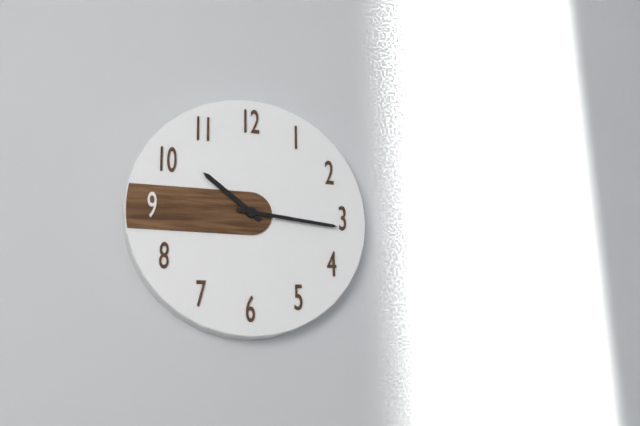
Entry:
10 h 16 min
